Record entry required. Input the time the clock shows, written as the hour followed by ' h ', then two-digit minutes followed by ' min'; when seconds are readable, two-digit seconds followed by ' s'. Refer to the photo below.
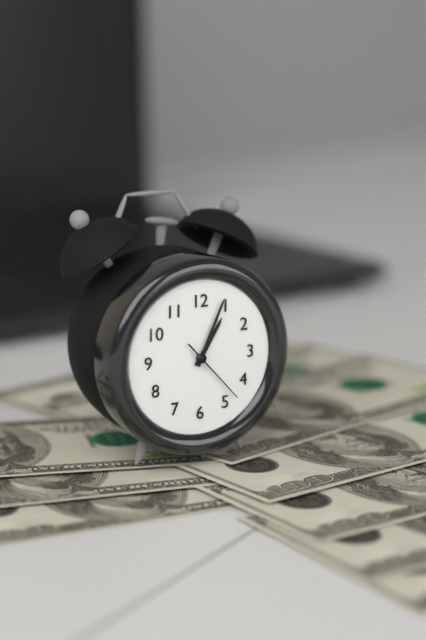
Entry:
1 h 04 min 23 s
